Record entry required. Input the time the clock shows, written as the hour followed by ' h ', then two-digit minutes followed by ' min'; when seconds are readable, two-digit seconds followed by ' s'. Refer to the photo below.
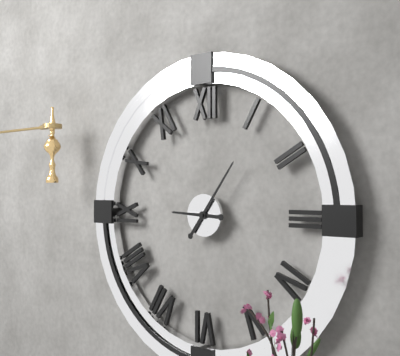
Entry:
9 h 06 min
